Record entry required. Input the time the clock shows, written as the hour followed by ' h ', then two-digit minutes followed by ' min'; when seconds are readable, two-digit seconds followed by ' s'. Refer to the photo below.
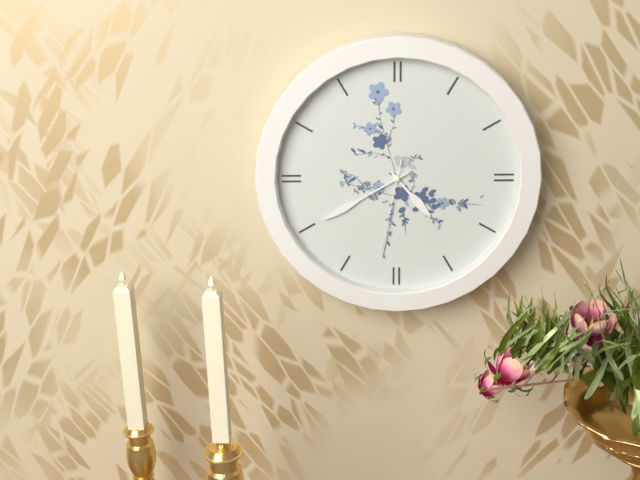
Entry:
4 h 40 min 32 s
